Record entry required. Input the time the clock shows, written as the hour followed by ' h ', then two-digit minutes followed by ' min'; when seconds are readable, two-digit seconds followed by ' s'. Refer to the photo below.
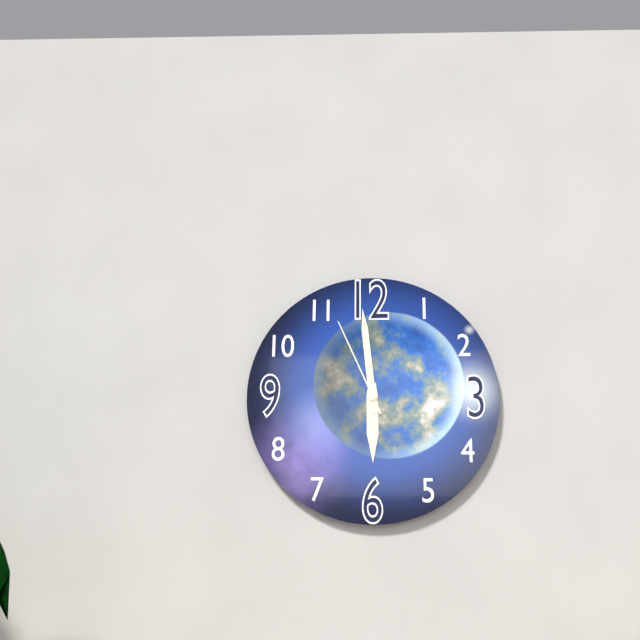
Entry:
5 h 59 min 56 s
